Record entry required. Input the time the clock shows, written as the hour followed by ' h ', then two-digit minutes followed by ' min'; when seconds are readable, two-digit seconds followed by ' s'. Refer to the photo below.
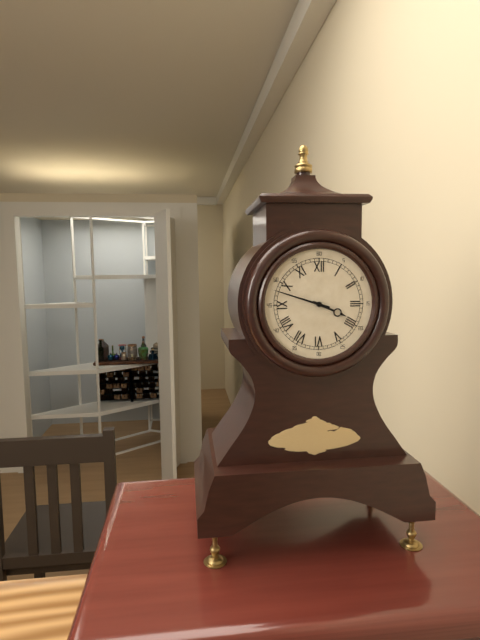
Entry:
3 h 48 min
